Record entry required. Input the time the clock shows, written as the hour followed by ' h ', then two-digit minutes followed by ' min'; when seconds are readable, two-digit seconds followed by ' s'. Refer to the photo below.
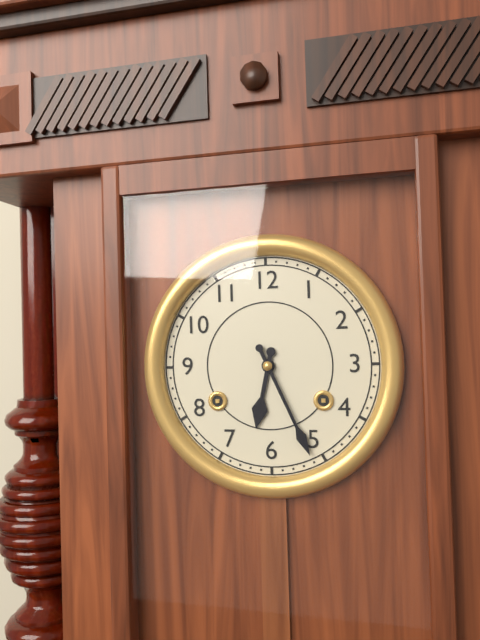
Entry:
6 h 26 min
